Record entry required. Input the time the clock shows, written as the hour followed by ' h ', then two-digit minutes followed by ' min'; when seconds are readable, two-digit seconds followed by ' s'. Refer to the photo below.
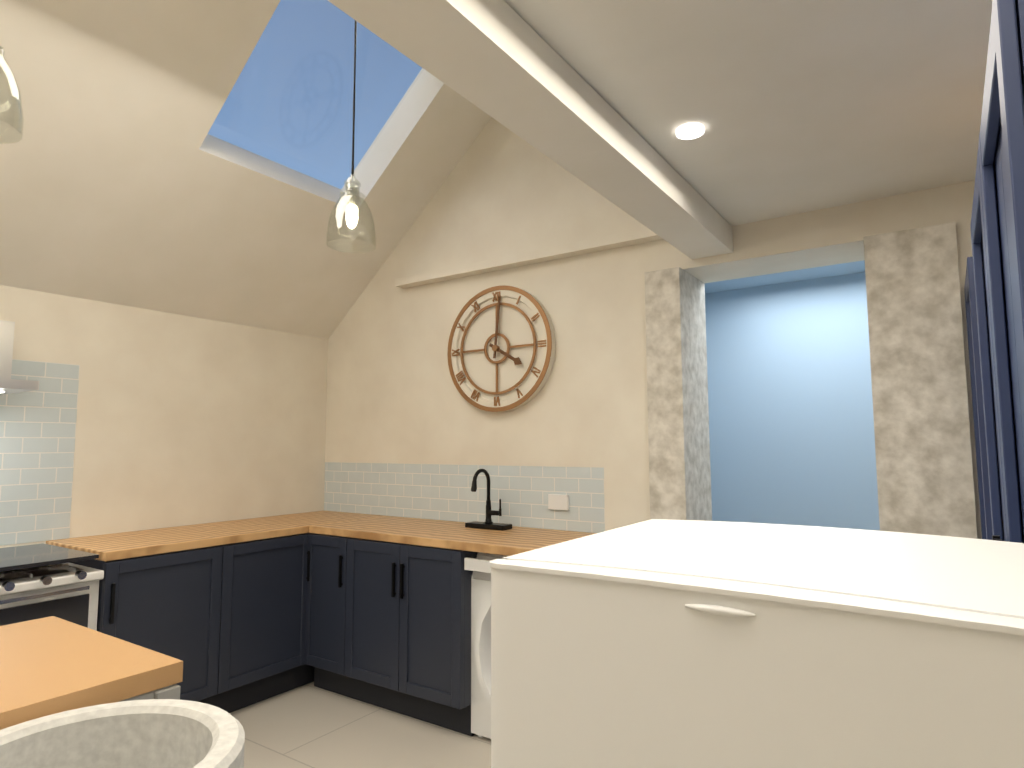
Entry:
4 h 01 min
